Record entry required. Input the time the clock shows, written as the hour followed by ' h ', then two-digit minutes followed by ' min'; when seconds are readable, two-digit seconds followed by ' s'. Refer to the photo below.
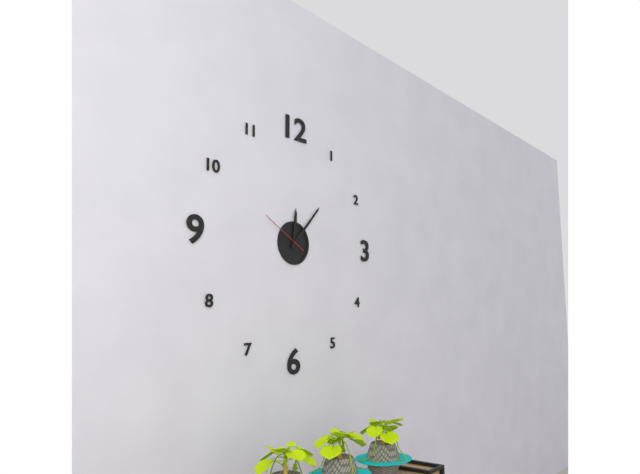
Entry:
12 h 07 min 50 s
